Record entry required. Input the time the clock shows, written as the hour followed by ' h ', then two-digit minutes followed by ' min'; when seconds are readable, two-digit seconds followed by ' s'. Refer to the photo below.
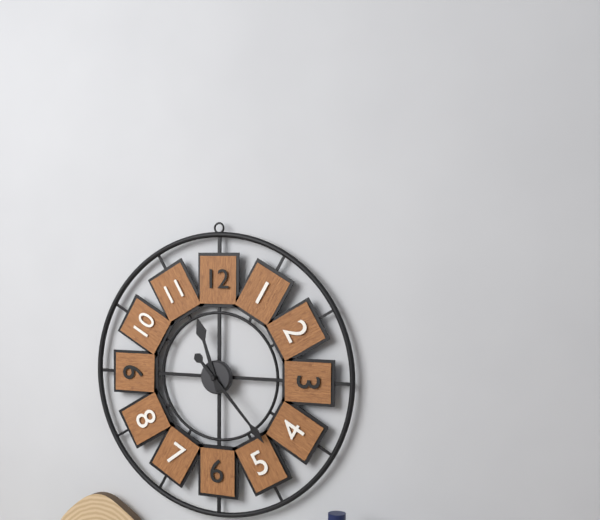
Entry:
11 h 23 min
